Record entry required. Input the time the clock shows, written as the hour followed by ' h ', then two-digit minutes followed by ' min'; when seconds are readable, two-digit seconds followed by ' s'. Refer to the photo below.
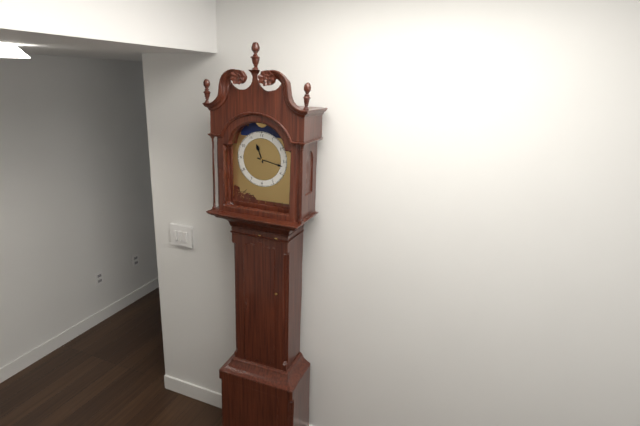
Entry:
11 h 17 min
